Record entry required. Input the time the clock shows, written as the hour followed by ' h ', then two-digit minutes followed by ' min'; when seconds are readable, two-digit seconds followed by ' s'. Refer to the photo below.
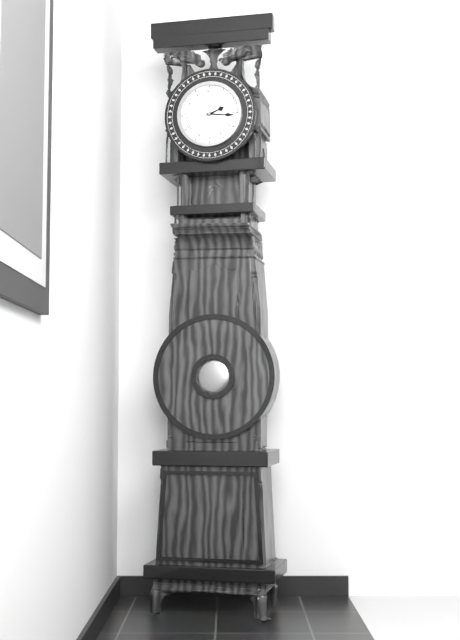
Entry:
2 h 16 min
